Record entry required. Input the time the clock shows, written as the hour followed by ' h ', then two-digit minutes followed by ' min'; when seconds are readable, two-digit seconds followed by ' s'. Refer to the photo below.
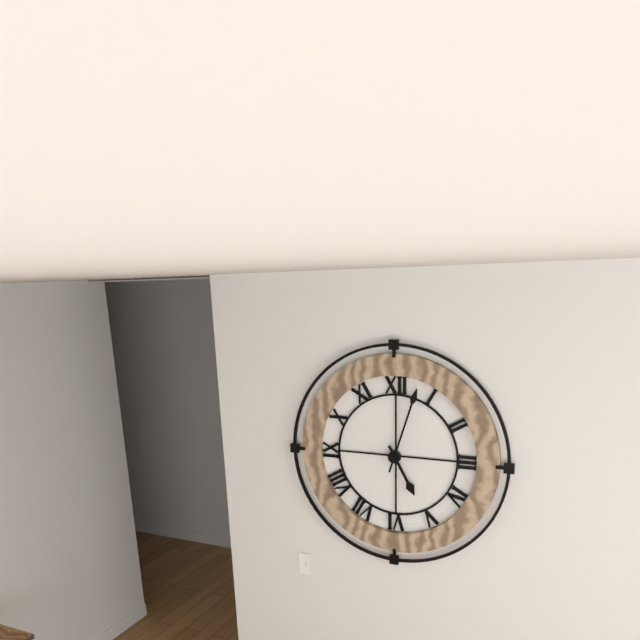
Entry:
5 h 03 min
